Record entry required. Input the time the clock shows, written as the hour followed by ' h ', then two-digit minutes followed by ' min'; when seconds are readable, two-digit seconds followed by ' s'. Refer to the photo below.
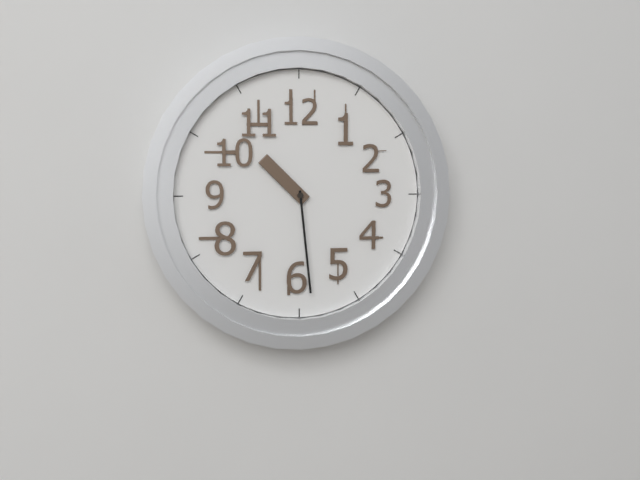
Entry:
10 h 29 min
